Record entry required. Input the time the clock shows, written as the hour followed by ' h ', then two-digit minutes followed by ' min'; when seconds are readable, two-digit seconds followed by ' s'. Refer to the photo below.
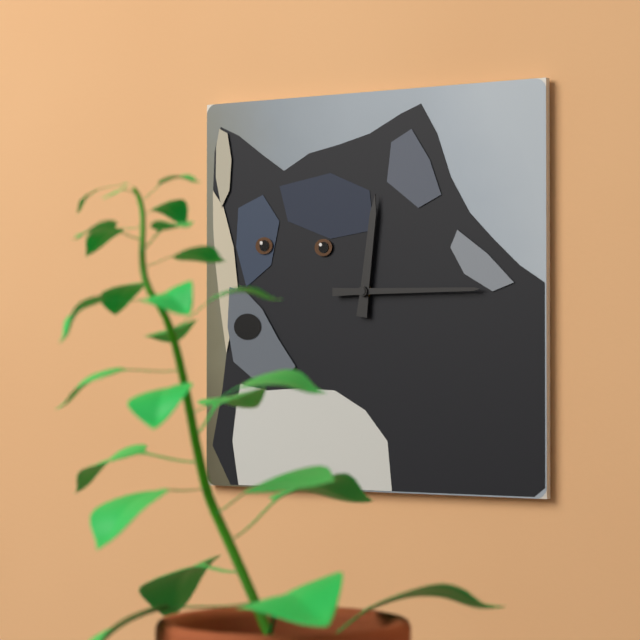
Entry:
12 h 15 min
